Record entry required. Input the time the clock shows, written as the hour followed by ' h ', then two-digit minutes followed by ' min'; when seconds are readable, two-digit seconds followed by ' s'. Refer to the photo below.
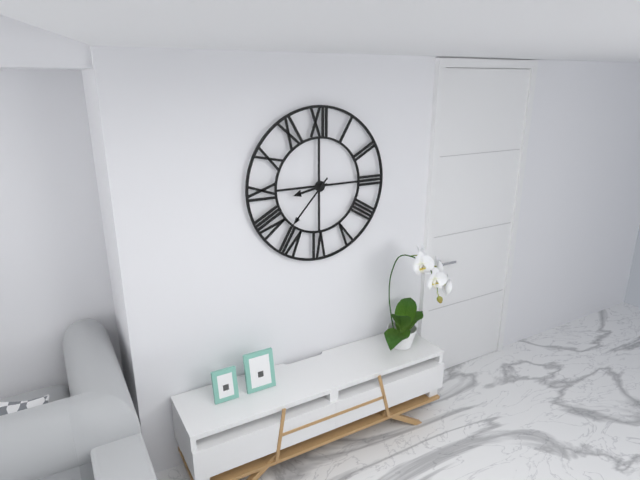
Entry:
8 h 37 min
